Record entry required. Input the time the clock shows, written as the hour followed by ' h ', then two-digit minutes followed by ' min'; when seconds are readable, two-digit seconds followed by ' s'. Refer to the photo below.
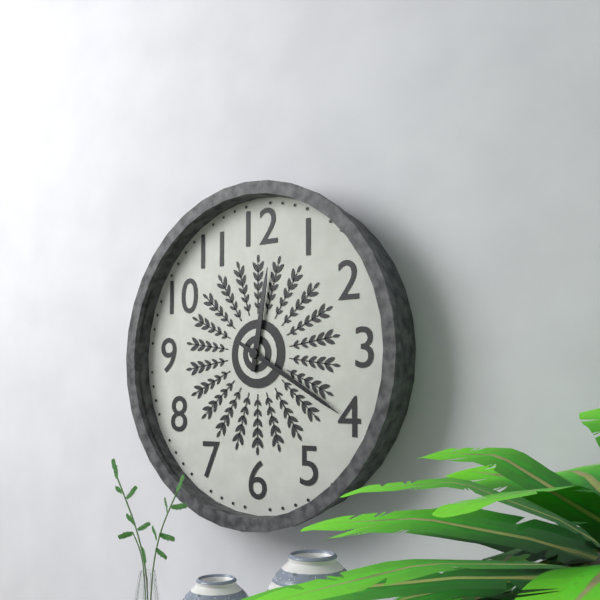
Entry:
12 h 20 min
